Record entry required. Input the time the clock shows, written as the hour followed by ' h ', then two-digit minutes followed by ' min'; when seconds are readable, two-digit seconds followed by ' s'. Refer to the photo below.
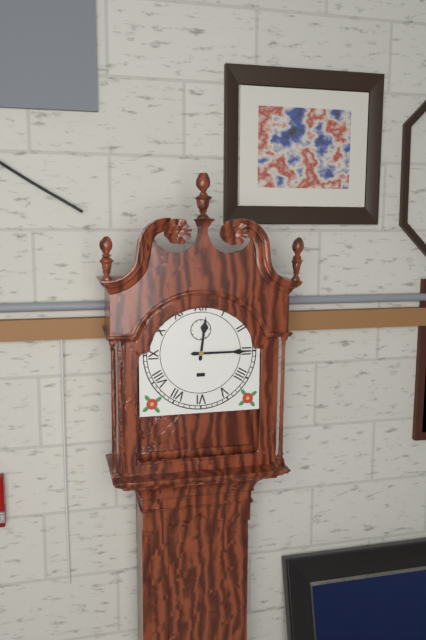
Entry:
12 h 15 min
